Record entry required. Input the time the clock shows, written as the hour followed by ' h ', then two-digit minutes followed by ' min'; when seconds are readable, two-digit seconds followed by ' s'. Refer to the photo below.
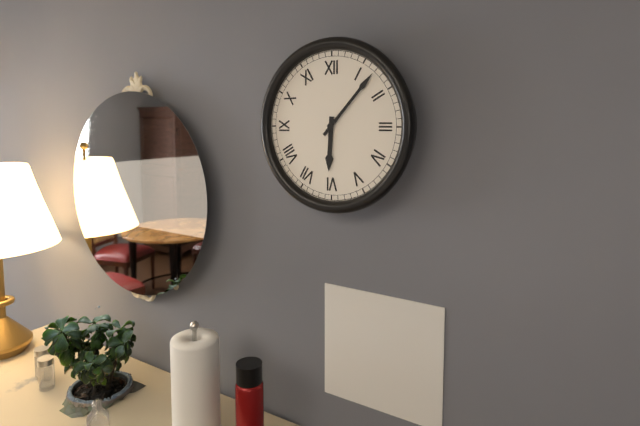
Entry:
6 h 07 min
